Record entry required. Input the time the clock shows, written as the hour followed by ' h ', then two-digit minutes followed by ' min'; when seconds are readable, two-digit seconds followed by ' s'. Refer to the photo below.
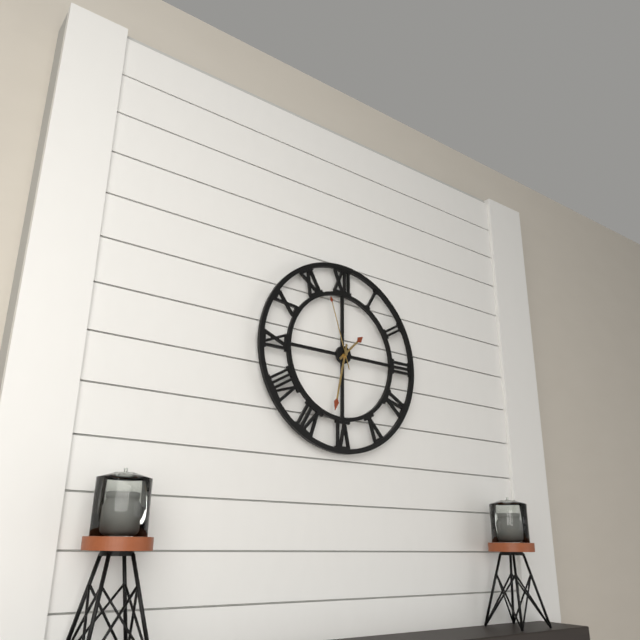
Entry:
1 h 32 min 57 s
